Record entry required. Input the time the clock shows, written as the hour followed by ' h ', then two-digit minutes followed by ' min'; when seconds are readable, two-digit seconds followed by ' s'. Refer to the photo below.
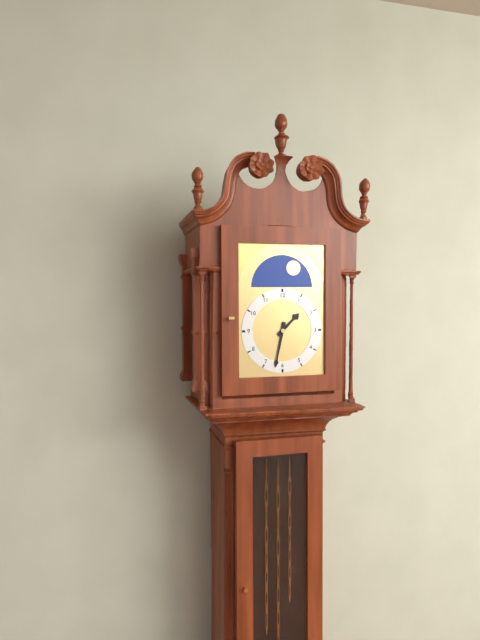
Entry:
1 h 32 min
